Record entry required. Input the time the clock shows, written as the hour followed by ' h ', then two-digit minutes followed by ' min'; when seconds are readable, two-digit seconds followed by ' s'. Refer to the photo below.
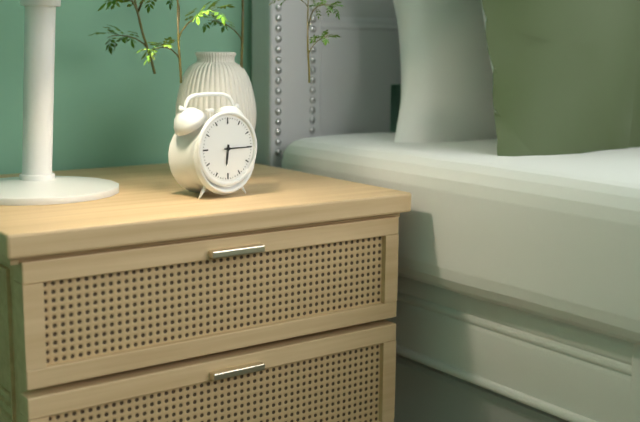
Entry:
6 h 15 min
